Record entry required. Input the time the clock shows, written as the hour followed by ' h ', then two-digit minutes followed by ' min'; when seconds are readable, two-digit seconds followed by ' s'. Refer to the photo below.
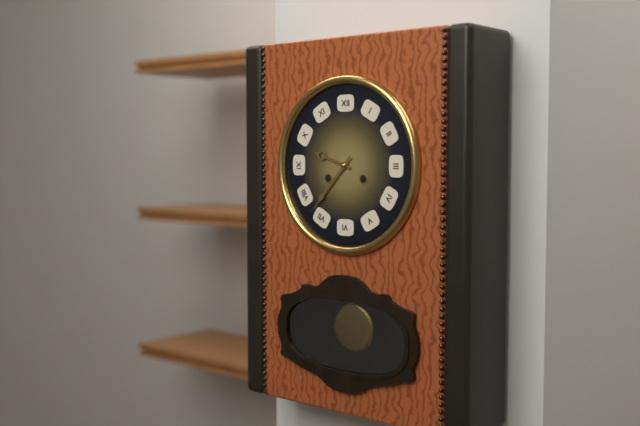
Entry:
9 h 37 min
